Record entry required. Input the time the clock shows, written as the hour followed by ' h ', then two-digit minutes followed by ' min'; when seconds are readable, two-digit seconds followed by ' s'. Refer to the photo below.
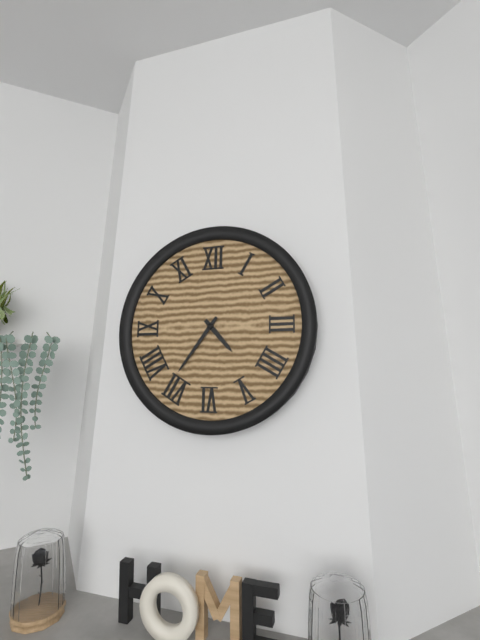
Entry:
4 h 36 min
